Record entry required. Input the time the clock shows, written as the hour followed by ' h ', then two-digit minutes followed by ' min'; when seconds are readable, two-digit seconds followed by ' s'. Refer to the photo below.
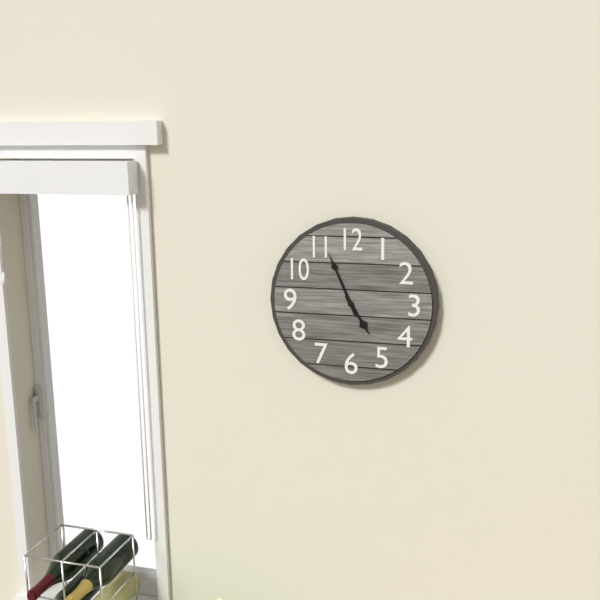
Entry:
4 h 56 min
